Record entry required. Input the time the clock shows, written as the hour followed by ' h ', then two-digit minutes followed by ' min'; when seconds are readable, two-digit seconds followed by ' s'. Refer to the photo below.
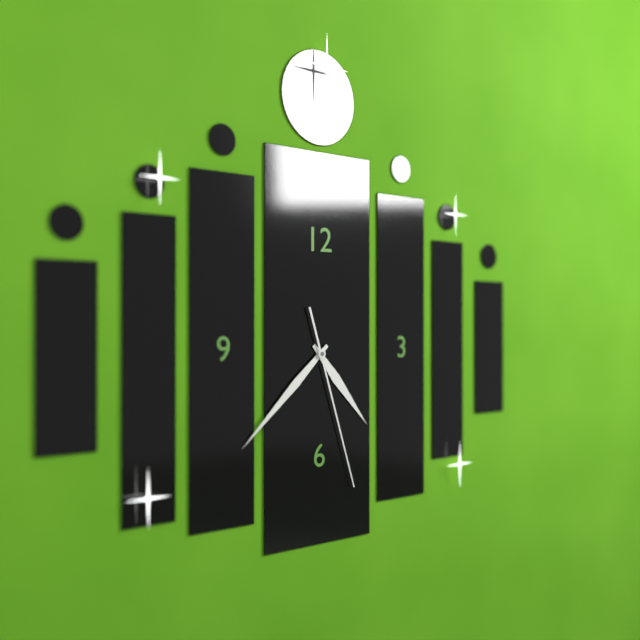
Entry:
4 h 38 min 27 s
